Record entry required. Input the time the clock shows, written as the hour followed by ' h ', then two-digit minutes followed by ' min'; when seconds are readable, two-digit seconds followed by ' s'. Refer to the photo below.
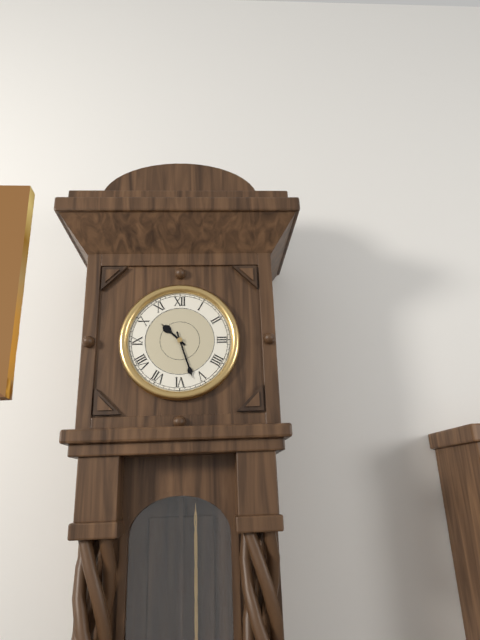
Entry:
10 h 27 min
